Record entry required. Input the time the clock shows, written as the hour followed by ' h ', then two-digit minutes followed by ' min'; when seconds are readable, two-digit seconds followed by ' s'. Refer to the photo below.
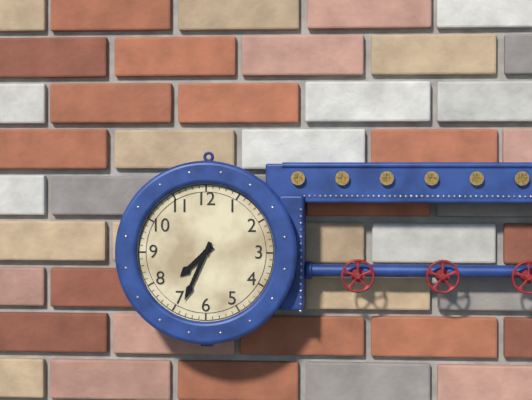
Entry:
7 h 34 min
